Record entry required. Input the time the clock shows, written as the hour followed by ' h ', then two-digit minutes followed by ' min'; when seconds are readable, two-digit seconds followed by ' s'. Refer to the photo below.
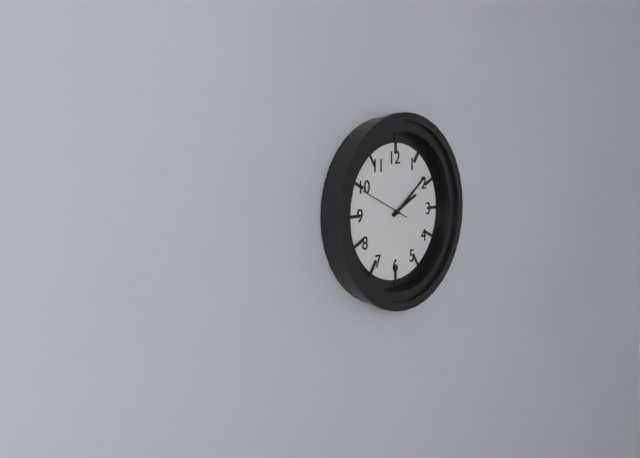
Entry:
2 h 09 min 49 s
